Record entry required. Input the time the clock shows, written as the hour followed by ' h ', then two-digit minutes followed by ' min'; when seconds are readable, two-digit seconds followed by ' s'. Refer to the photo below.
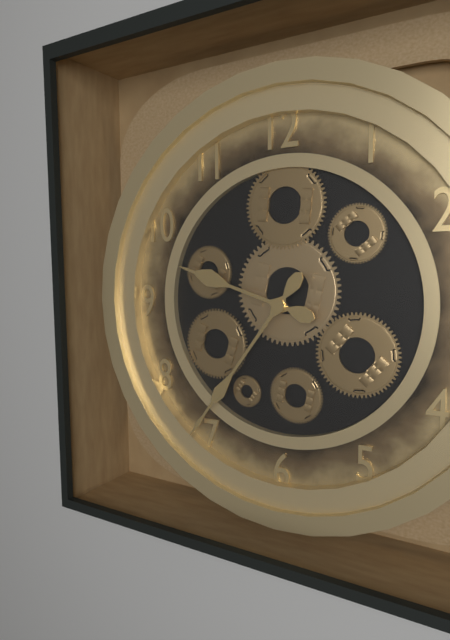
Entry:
9 h 36 min
